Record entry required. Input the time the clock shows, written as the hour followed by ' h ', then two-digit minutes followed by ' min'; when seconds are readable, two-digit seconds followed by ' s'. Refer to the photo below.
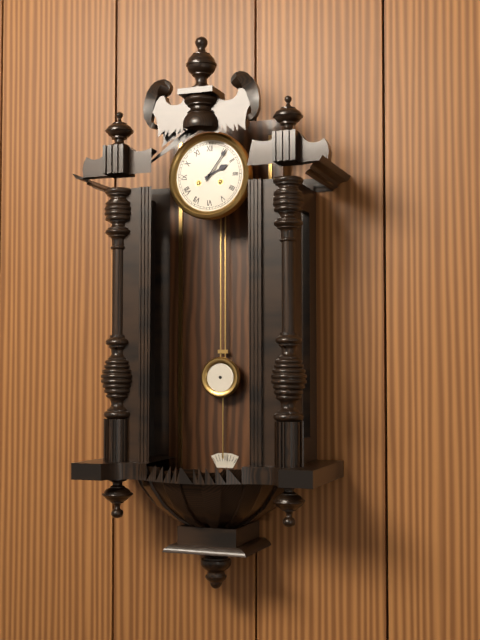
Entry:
2 h 06 min
